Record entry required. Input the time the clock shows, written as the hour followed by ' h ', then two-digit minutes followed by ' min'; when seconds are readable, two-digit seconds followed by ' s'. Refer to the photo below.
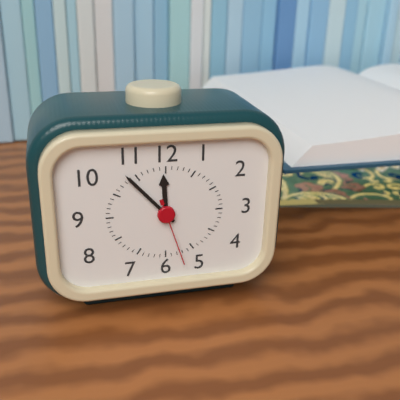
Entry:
11 h 53 min 27 s
